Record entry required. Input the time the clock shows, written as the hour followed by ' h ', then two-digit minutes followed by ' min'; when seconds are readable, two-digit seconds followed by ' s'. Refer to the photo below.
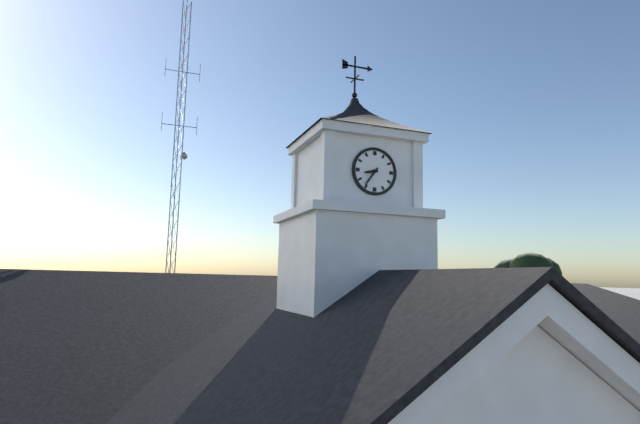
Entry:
8 h 36 min
